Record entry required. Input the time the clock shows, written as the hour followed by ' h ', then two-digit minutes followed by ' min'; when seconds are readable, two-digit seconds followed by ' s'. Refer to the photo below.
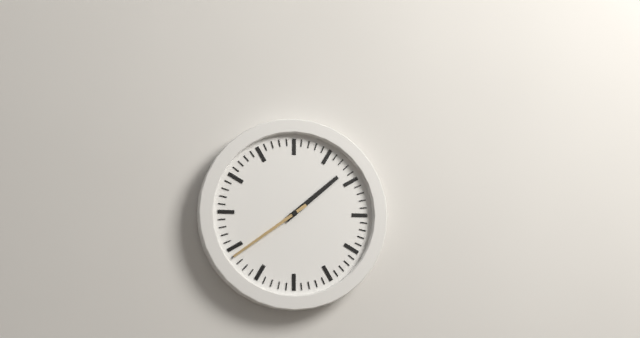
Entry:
1 h 39 min
